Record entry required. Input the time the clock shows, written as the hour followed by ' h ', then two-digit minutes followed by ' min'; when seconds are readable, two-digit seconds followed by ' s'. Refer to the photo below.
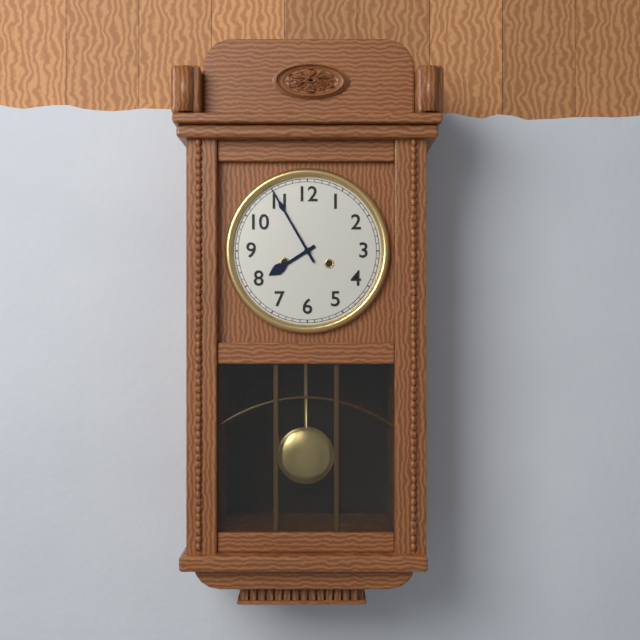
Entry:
7 h 55 min
